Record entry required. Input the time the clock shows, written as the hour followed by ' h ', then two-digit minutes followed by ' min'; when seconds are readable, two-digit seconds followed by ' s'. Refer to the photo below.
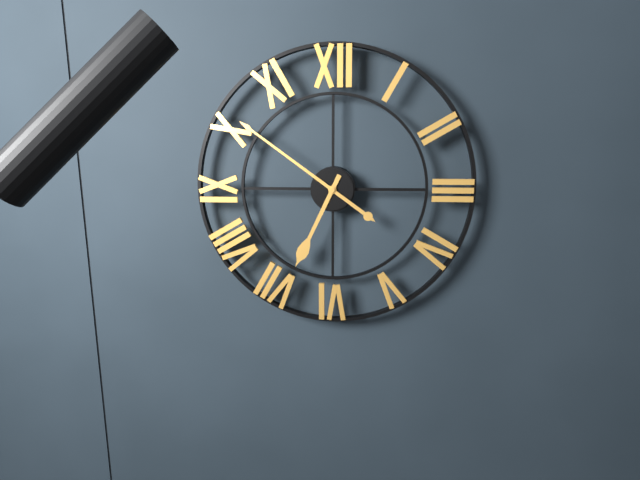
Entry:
6 h 51 min
